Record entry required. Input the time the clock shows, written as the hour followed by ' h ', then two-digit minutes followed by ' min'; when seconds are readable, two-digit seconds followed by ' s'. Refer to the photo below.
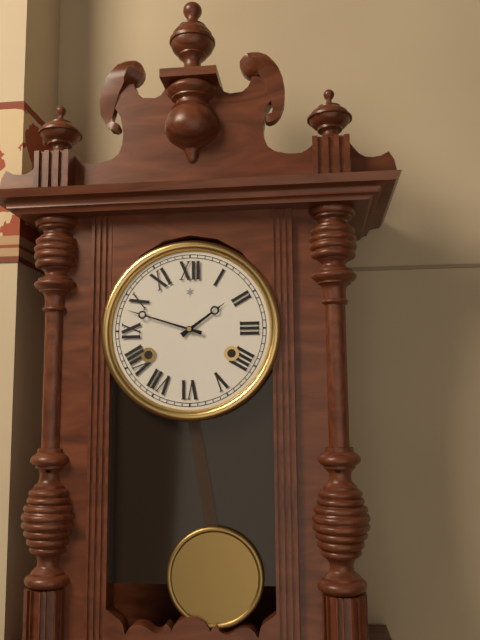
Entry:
1 h 48 min
